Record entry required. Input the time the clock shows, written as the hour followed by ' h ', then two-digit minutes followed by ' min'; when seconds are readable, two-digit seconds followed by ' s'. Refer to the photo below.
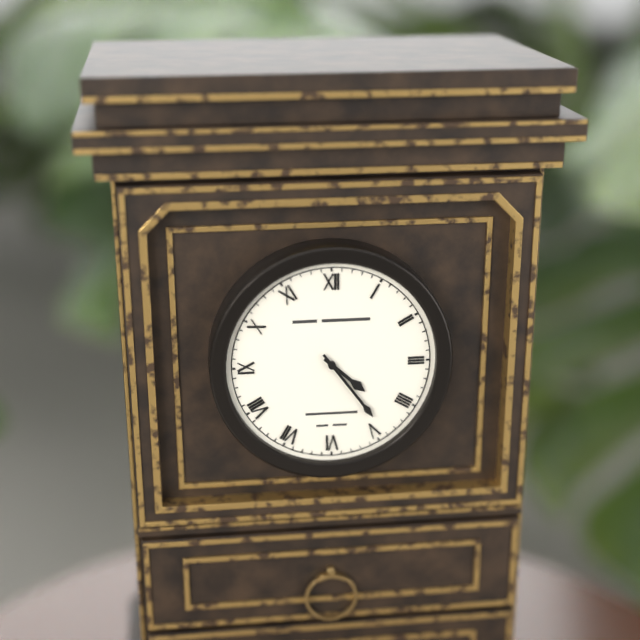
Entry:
4 h 24 min
